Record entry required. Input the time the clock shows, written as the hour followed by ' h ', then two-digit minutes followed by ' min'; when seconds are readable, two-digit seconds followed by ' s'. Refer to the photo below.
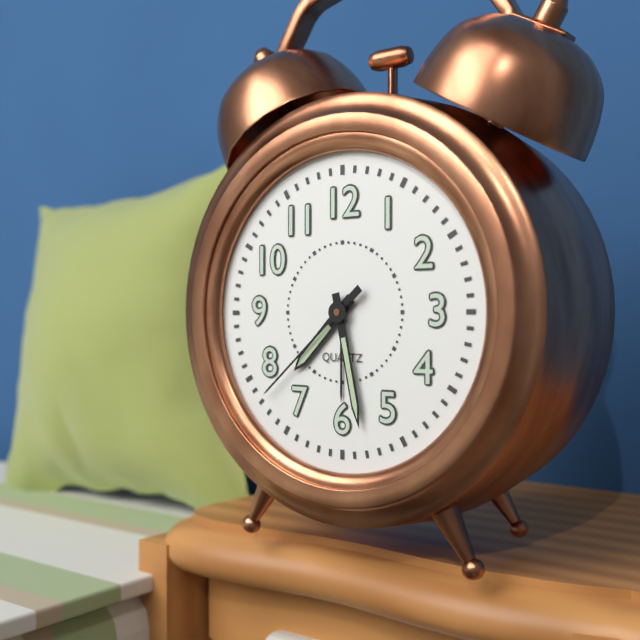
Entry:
7 h 28 min 38 s
